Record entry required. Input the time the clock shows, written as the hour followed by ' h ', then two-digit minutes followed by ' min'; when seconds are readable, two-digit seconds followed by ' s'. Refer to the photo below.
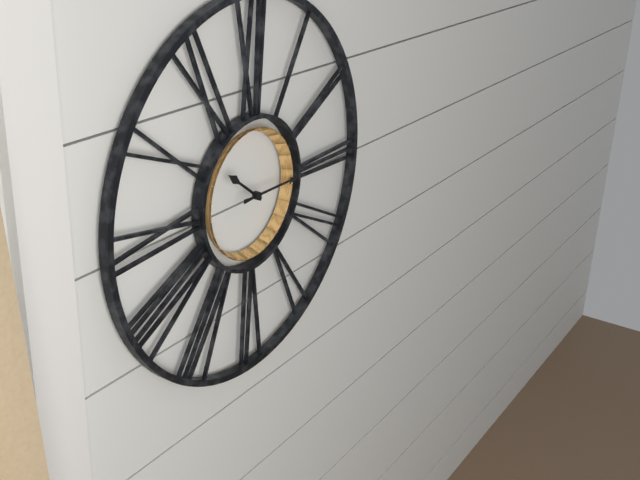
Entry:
10 h 15 min
